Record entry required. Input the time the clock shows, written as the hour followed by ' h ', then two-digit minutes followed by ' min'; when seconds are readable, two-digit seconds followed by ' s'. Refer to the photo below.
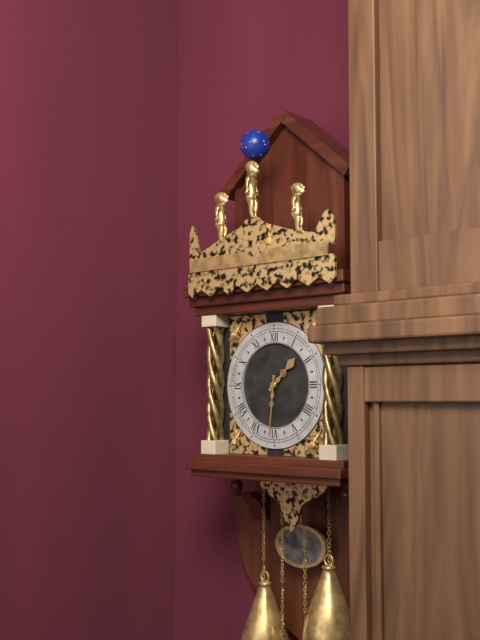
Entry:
1 h 31 min
